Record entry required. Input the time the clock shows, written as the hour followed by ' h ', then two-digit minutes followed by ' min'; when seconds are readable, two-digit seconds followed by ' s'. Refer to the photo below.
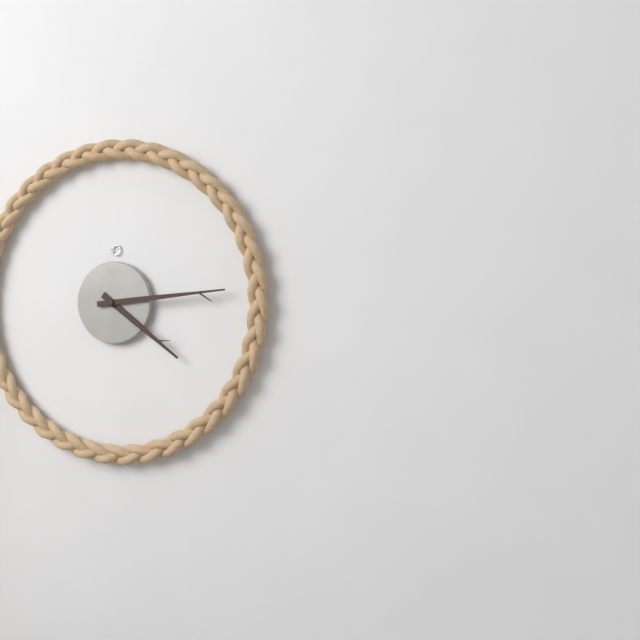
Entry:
4 h 14 min
